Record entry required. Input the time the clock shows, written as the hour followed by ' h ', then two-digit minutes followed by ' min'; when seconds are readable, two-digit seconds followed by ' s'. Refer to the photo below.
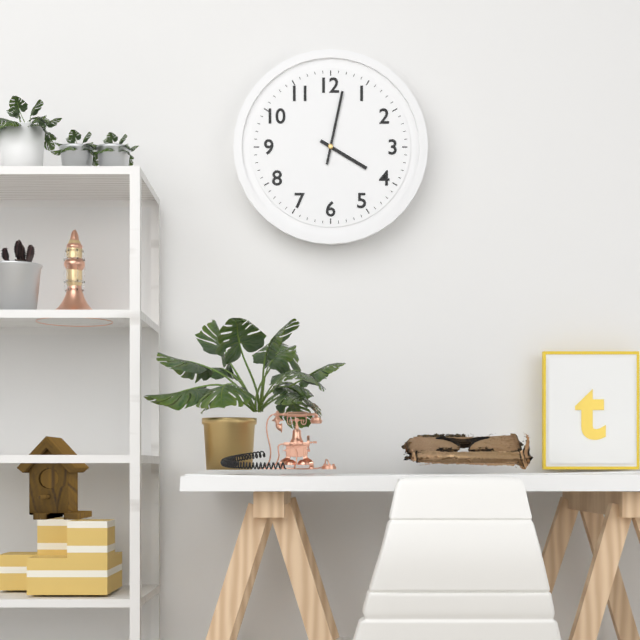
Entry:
4 h 02 min
